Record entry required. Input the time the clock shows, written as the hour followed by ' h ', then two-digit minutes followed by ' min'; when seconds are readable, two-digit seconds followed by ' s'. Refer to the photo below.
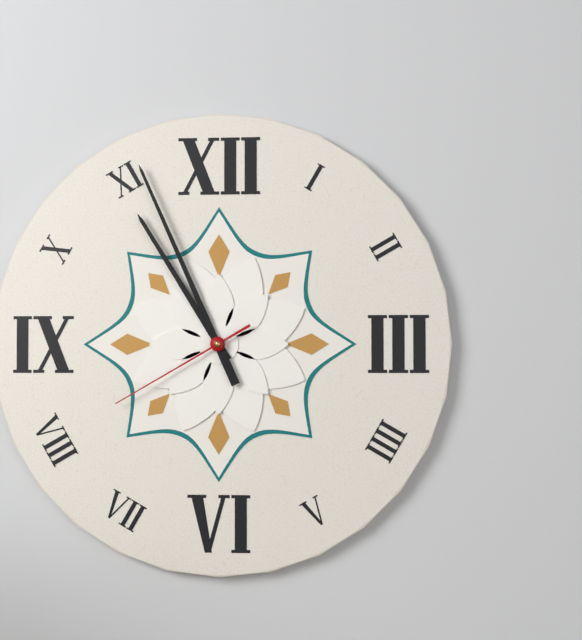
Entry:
10 h 56 min 40 s
